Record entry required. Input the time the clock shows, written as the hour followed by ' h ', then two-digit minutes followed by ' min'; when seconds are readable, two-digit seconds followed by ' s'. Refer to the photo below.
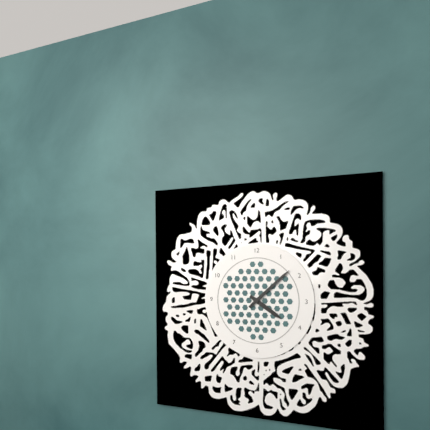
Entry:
4 h 08 min
